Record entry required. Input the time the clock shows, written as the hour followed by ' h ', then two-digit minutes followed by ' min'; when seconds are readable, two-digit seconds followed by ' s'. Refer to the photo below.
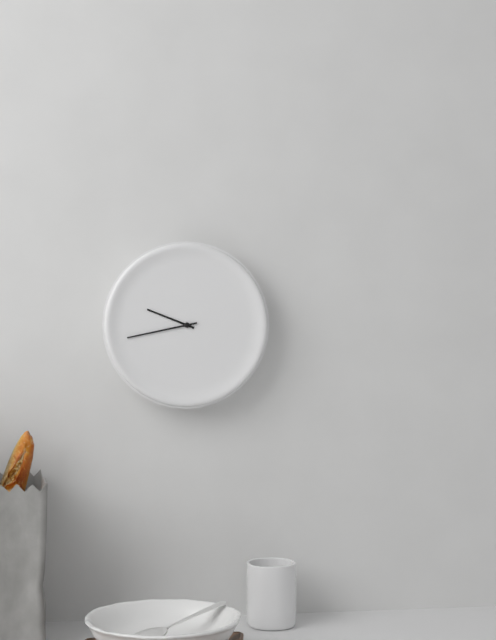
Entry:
9 h 43 min
